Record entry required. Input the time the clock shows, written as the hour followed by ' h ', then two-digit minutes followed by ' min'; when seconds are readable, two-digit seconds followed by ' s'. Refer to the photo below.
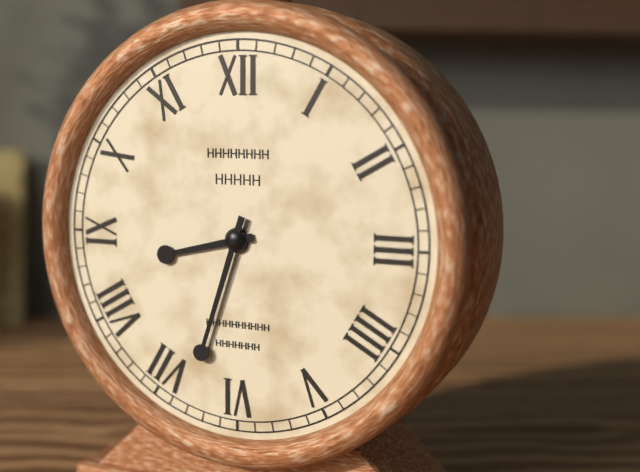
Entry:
8 h 33 min
